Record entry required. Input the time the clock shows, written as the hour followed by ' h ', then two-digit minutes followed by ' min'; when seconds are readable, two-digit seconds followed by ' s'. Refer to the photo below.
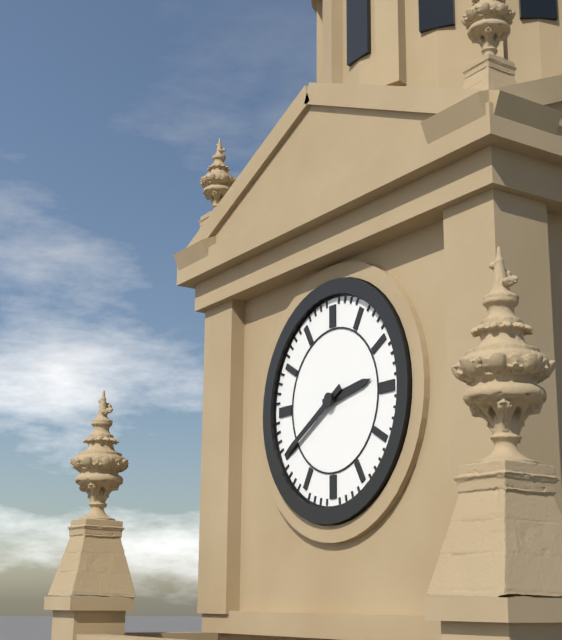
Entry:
2 h 40 min
